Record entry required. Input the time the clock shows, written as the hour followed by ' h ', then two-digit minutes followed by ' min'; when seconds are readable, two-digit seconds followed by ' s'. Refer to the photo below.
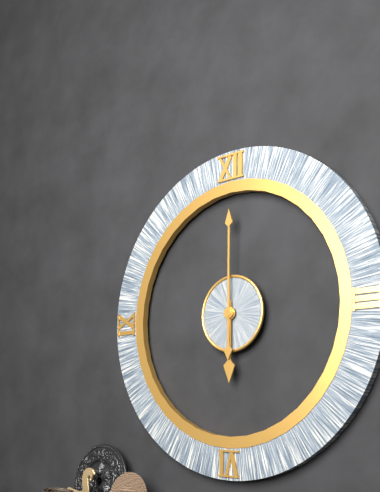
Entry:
6 h 00 min
